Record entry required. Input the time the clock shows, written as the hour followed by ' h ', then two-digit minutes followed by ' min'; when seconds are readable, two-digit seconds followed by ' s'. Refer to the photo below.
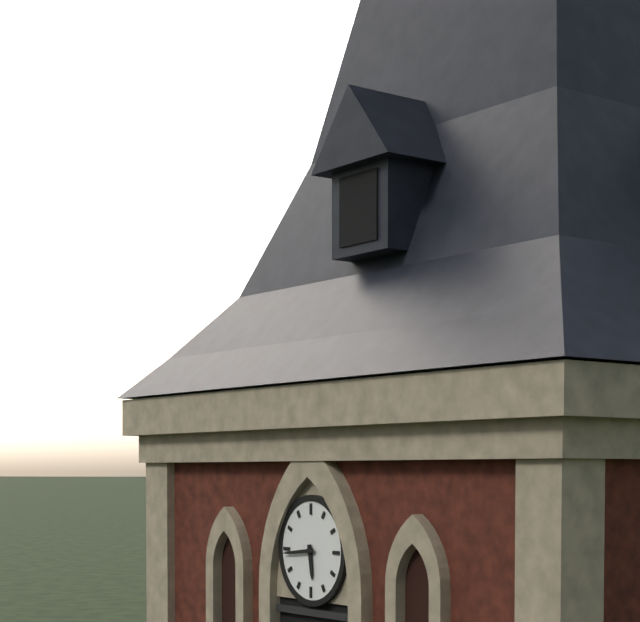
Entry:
5 h 44 min
